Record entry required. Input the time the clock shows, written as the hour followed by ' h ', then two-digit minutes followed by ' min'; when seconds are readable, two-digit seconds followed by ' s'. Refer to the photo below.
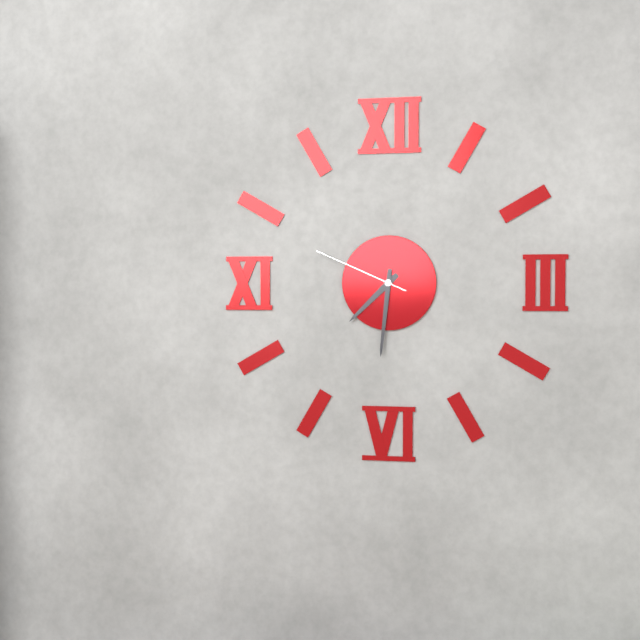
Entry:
7 h 31 min 49 s
